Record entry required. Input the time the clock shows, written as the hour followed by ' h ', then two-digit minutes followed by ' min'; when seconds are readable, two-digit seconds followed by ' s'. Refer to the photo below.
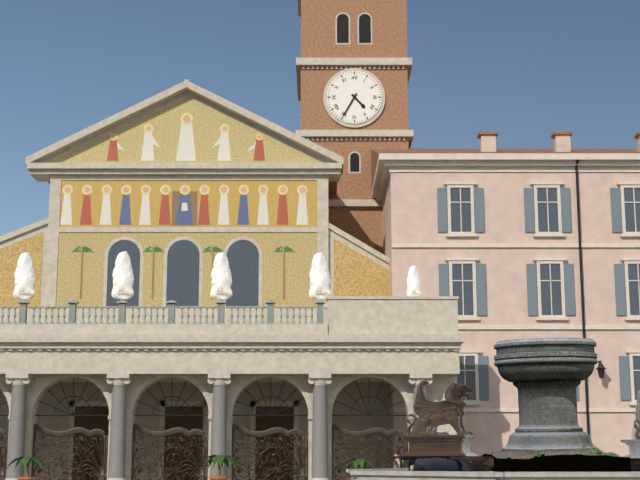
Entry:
4 h 35 min
